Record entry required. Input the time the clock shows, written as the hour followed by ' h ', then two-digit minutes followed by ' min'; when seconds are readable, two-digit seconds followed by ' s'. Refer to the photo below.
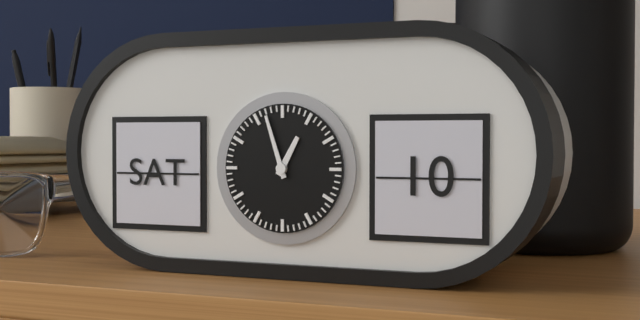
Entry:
12 h 57 min
